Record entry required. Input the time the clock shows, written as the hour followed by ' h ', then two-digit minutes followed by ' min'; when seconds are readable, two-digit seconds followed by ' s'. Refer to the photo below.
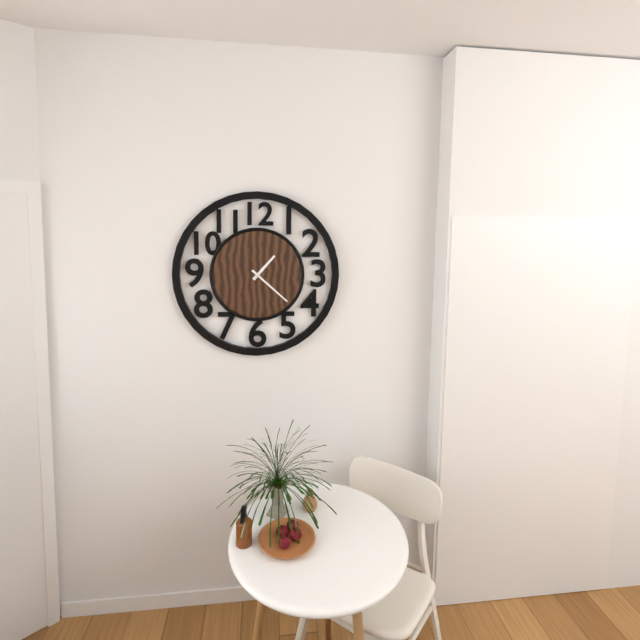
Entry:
1 h 22 min
